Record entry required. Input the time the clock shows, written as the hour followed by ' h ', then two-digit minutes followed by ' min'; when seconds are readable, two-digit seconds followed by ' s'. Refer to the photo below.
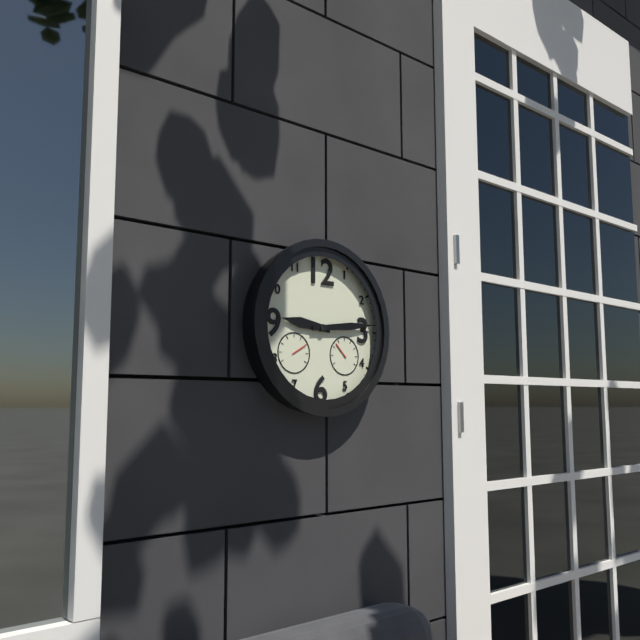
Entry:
9 h 14 min
